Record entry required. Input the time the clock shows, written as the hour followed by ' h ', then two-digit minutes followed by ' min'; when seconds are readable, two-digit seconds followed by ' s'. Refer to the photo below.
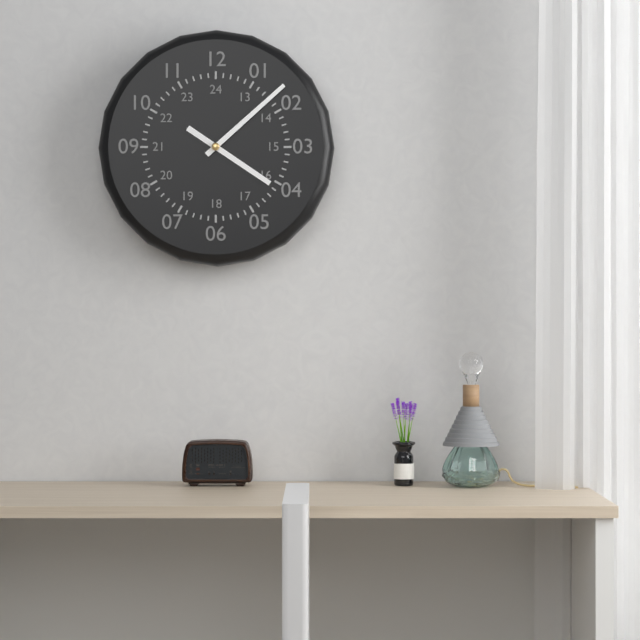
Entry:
4 h 08 min
